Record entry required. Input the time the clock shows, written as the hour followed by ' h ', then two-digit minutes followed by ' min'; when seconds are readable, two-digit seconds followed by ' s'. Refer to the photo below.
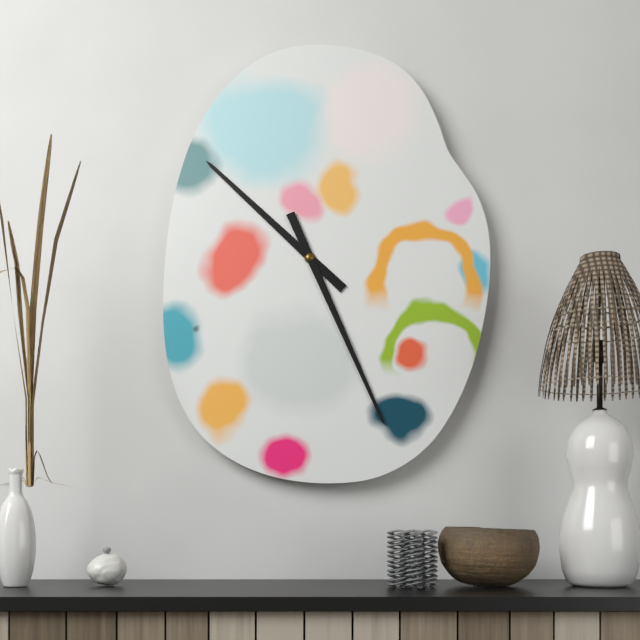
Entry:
10 h 26 min
